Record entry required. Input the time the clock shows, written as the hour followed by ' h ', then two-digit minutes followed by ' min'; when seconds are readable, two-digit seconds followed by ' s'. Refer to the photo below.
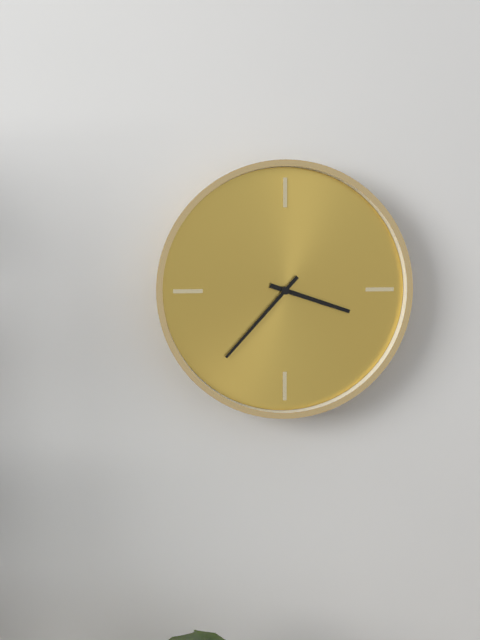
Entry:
3 h 37 min
